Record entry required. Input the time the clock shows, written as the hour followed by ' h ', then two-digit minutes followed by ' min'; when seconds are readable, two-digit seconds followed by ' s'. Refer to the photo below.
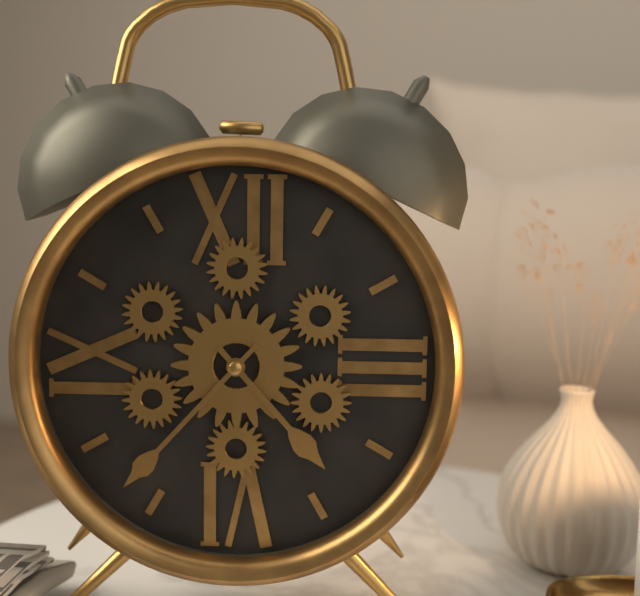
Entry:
4 h 37 min
